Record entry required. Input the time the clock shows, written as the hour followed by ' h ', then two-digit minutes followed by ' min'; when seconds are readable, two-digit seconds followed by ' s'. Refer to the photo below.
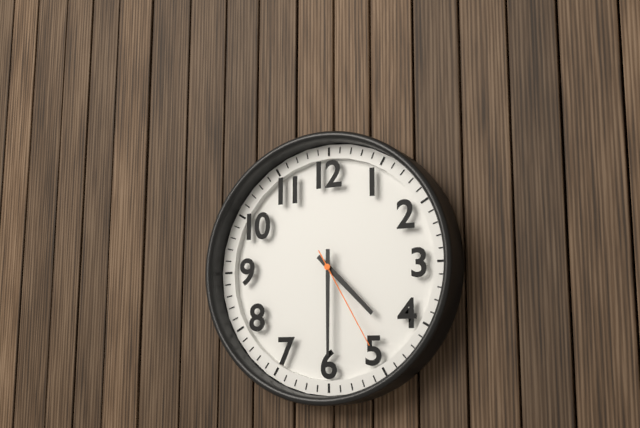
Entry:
4 h 30 min 25 s
